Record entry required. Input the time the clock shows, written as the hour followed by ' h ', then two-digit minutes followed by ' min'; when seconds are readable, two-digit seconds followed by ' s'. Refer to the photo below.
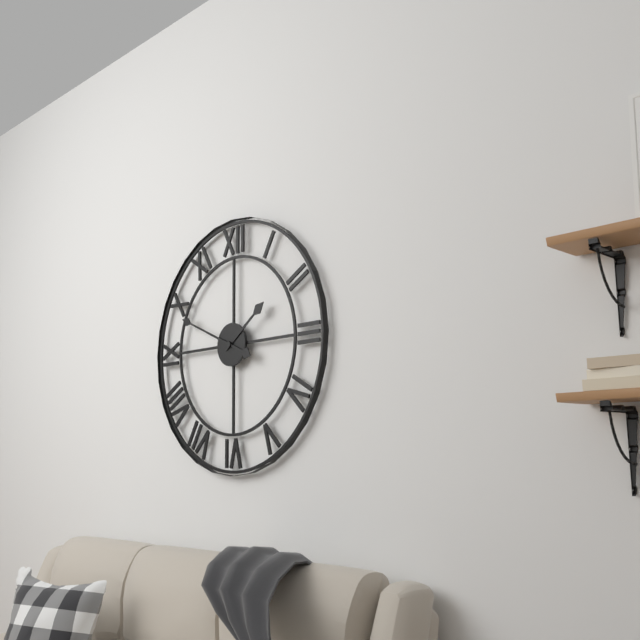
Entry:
1 h 49 min
